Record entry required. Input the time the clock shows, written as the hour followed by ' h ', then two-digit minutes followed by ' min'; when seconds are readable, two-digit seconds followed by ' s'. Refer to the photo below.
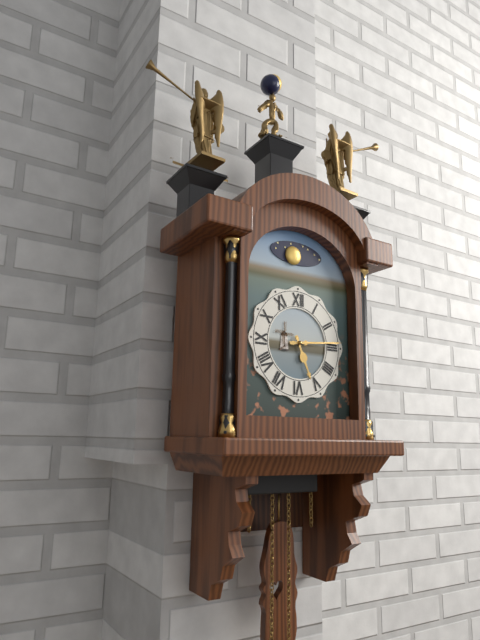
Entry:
5 h 14 min
